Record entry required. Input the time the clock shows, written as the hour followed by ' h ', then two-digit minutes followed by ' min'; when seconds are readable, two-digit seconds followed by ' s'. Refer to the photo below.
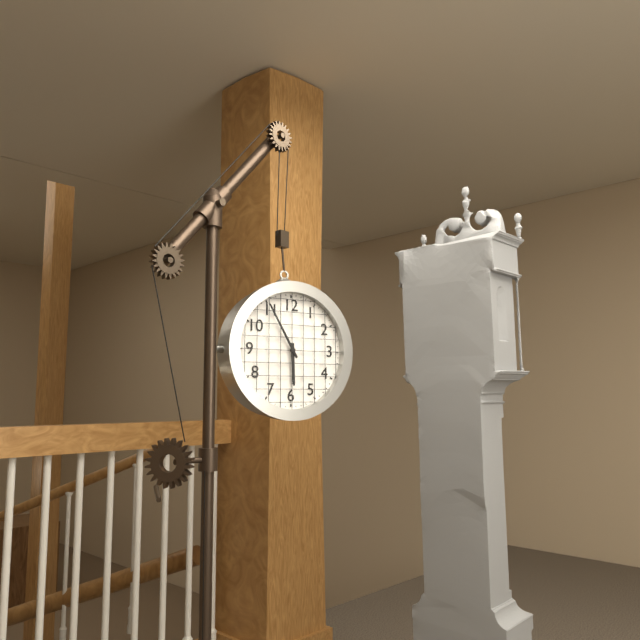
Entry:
5 h 55 min
